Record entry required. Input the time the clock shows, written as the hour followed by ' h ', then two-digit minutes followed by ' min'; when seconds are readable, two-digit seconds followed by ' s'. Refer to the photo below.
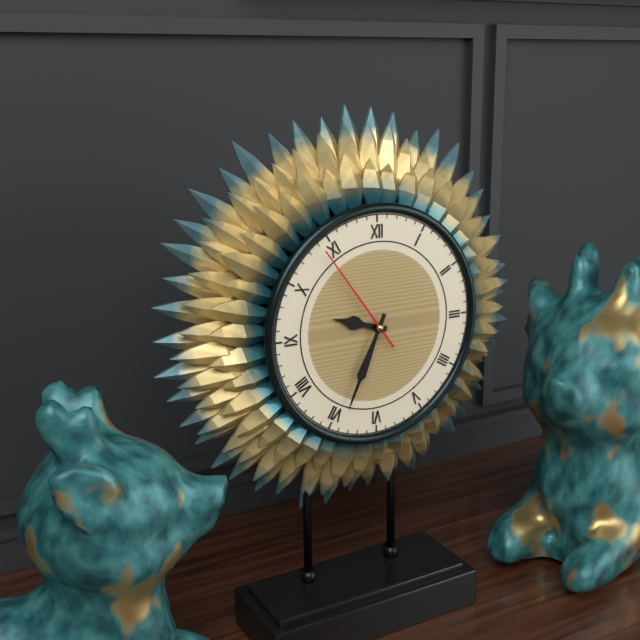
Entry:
9 h 34 min 54 s
